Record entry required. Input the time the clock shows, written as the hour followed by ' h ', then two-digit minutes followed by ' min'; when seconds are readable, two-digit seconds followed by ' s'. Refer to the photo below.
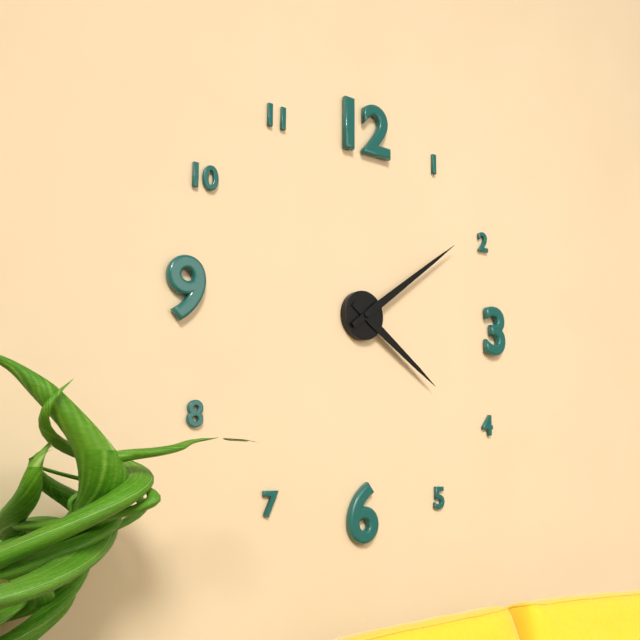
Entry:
4 h 09 min
